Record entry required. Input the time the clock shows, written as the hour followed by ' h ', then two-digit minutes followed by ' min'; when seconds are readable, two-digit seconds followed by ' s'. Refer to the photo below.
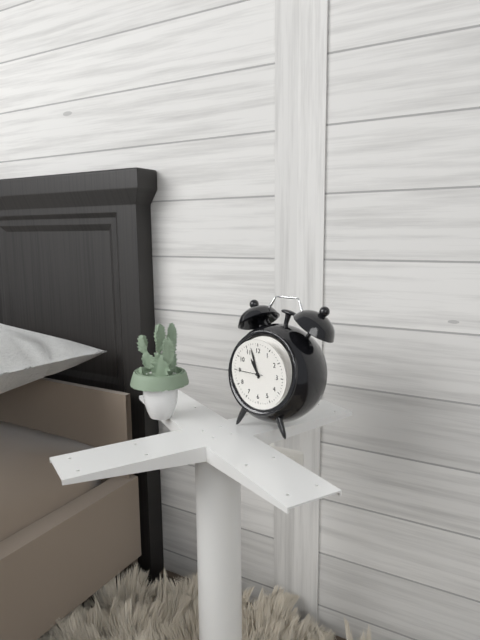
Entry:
10 h 57 min
